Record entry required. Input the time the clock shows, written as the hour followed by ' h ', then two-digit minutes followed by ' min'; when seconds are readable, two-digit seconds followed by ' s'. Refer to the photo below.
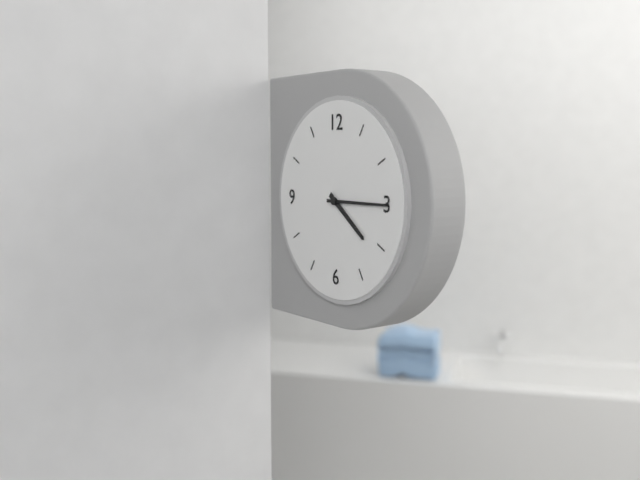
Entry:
4 h 15 min
